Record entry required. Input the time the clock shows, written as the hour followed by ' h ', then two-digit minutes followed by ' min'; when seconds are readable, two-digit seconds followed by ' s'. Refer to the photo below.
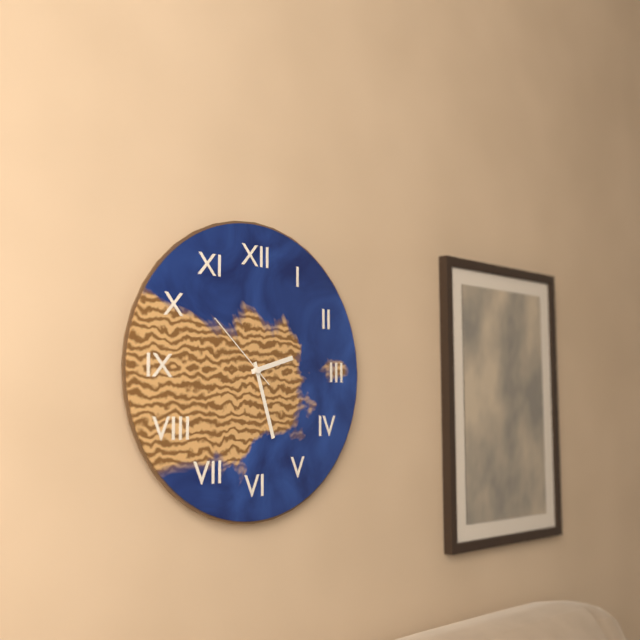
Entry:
2 h 27 min 52 s
